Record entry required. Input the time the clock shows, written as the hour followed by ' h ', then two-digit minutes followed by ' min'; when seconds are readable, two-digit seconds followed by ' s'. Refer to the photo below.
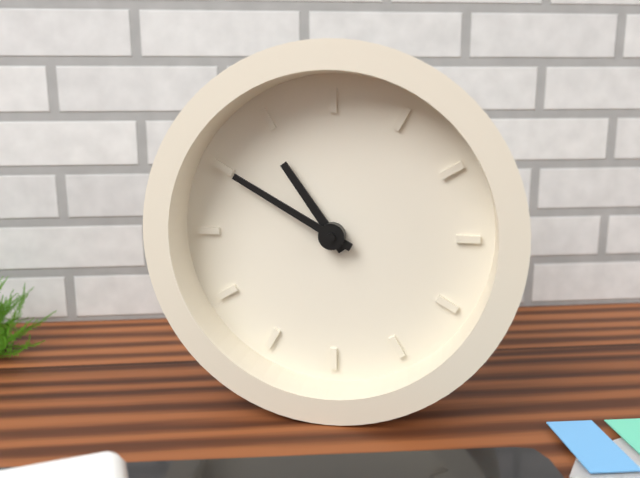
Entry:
10 h 50 min
